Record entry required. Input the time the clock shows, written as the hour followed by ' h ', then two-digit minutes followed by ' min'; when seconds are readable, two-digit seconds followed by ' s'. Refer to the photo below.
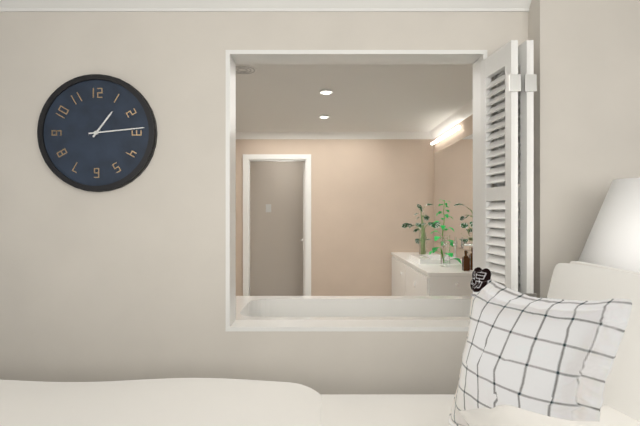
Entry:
1 h 14 min
